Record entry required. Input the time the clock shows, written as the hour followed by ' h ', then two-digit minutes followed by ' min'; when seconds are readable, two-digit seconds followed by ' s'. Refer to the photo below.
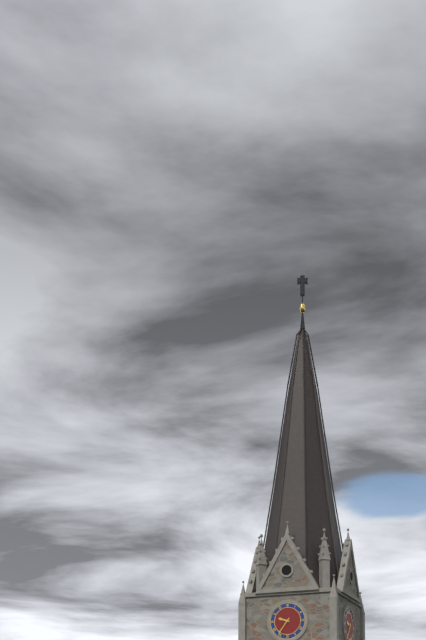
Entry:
9 h 36 min
